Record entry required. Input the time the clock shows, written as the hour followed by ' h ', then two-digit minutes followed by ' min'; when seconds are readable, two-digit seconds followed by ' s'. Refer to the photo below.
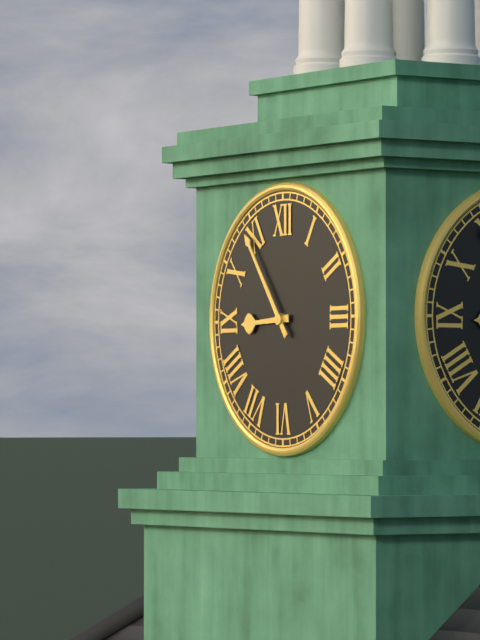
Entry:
8 h 54 min
